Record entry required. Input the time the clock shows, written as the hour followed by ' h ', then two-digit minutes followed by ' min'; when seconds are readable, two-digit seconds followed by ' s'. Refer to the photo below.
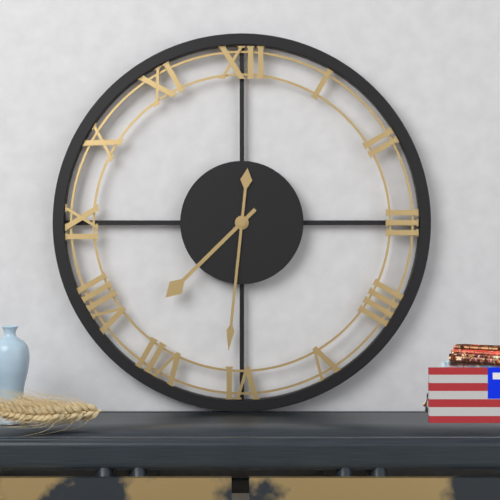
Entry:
7 h 31 min
